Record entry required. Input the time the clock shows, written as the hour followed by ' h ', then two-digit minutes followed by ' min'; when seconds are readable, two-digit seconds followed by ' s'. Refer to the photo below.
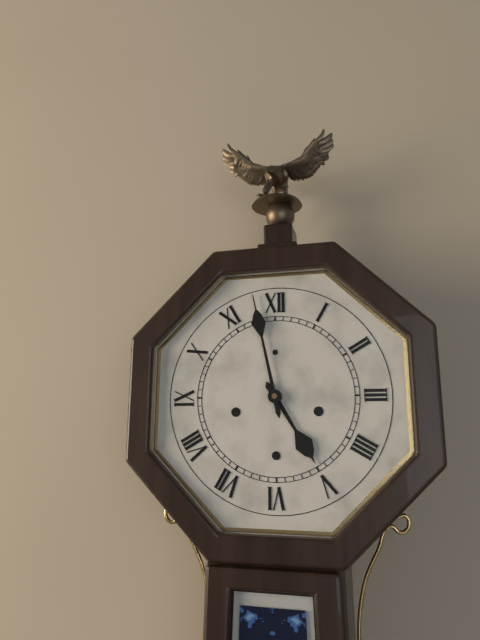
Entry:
4 h 58 min
